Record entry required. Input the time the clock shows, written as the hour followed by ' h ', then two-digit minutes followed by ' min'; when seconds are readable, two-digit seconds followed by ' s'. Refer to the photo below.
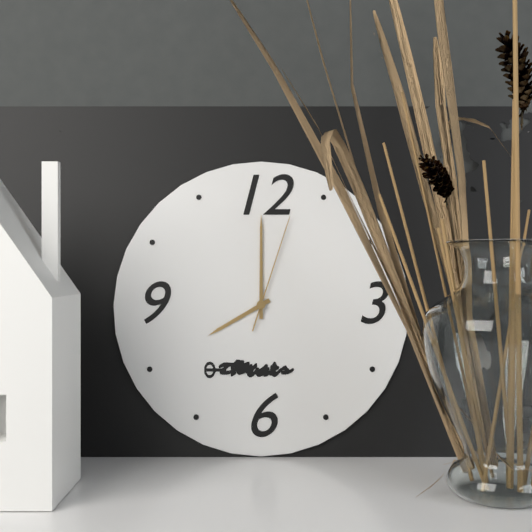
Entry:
8 h 00 min 03 s
